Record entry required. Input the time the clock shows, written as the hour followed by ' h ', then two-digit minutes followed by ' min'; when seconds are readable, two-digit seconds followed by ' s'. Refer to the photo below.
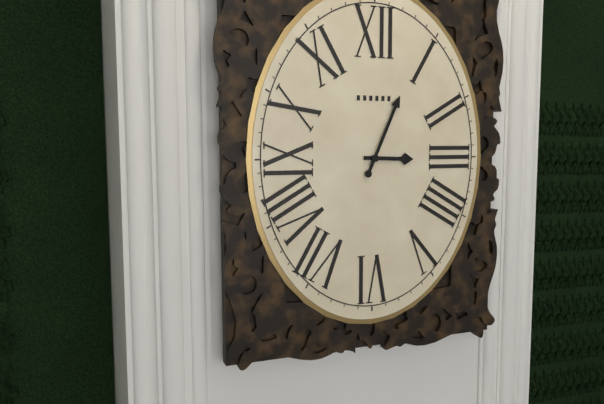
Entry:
3 h 04 min
